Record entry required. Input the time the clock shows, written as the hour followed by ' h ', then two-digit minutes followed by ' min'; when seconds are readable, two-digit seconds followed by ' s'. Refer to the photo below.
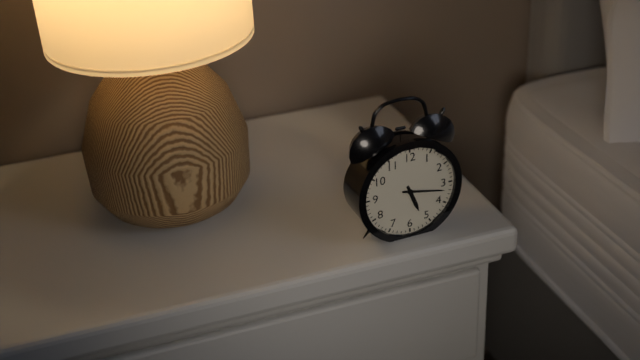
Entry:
5 h 17 min
